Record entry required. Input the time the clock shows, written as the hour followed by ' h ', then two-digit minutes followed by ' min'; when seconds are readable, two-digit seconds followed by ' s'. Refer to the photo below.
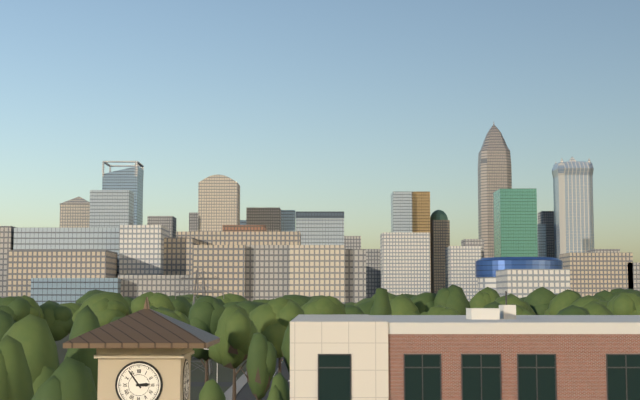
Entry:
2 h 54 min
